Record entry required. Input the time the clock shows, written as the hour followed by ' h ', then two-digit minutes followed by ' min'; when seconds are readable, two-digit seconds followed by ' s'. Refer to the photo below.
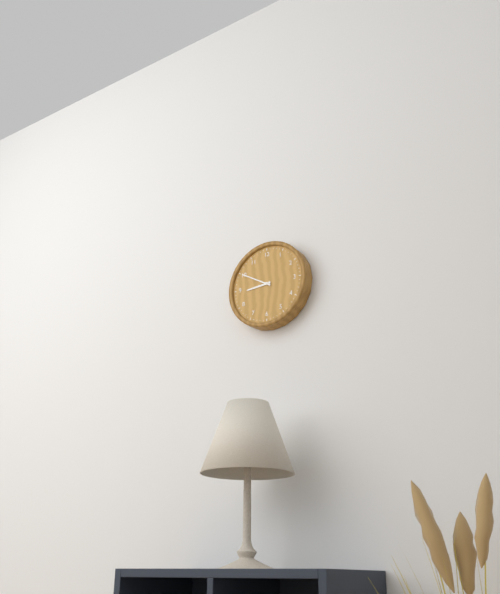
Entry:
8 h 50 min
